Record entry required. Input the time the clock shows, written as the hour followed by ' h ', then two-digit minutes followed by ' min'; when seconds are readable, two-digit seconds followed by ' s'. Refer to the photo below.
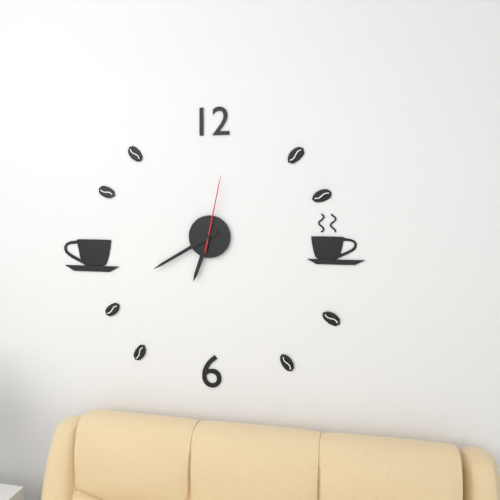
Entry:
6 h 40 min 02 s
